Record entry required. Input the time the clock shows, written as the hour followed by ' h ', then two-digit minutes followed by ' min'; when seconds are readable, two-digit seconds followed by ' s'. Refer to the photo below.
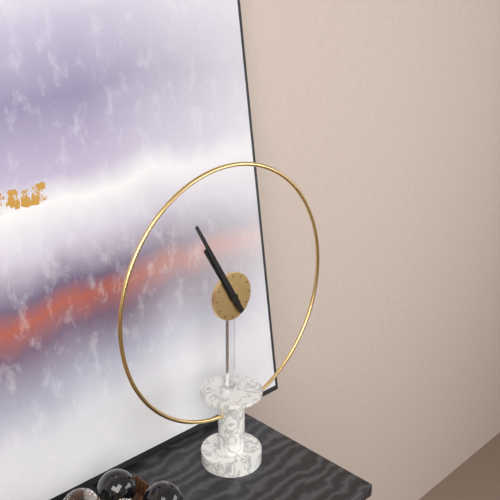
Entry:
10 h 55 min
